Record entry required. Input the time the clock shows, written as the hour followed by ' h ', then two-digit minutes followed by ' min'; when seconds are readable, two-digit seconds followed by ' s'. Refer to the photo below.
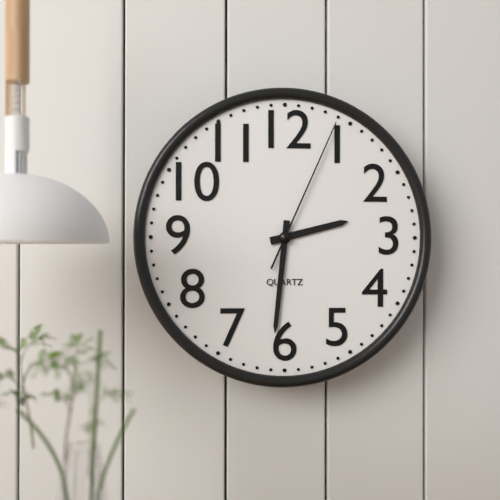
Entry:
2 h 31 min 04 s
